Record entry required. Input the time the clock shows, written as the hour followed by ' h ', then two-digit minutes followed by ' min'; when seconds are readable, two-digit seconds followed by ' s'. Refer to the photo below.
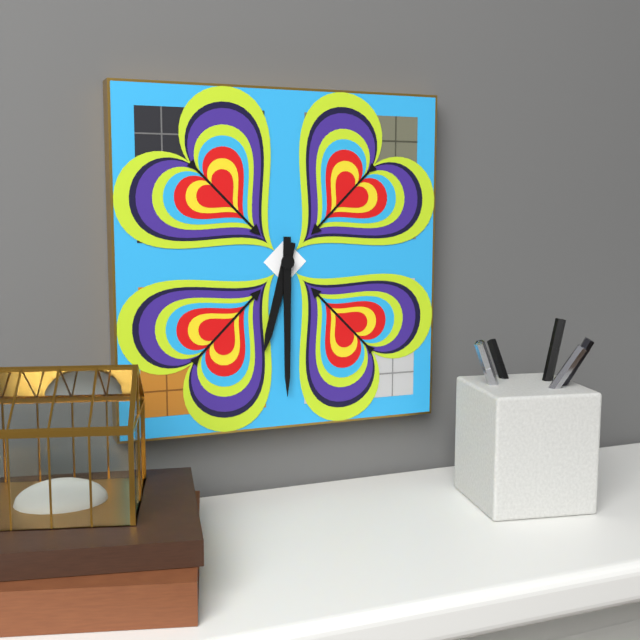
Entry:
6 h 30 min
